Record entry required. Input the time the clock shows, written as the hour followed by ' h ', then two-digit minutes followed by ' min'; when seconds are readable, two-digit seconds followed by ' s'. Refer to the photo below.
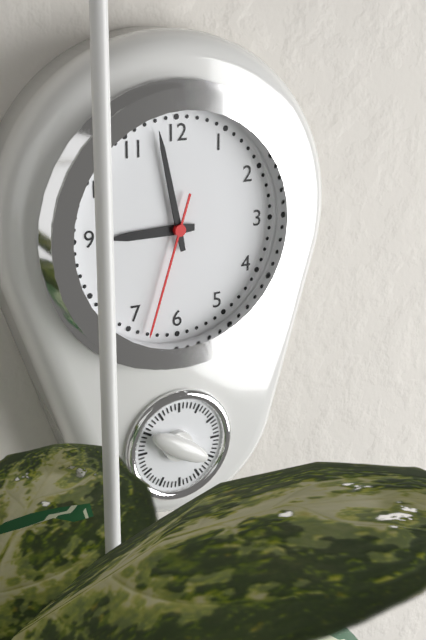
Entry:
8 h 58 min 33 s
